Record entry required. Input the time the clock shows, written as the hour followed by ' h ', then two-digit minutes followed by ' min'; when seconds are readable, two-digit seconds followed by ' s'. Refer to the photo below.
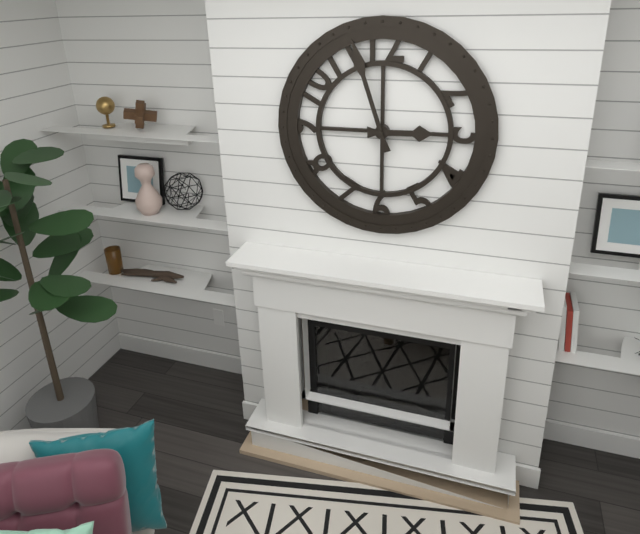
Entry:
2 h 57 min
